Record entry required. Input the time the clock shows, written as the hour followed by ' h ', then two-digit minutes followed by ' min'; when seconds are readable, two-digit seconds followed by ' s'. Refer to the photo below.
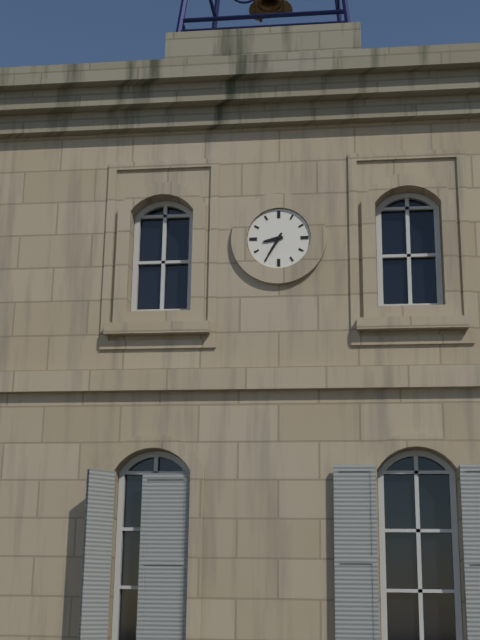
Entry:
8 h 35 min
